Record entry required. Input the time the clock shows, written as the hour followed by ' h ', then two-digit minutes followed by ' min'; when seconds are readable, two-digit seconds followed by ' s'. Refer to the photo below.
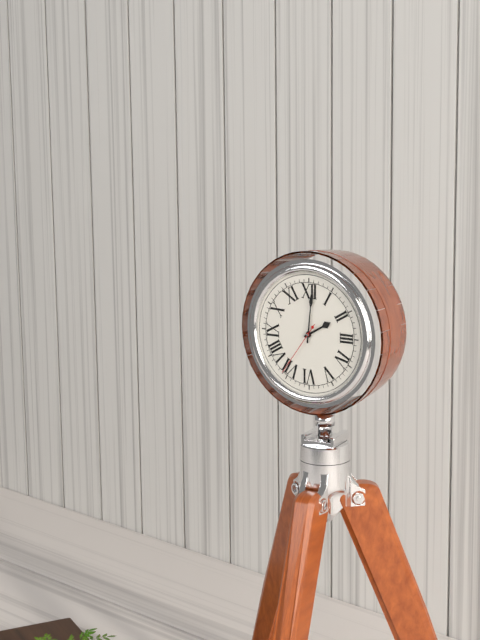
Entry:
2 h 01 min 36 s
